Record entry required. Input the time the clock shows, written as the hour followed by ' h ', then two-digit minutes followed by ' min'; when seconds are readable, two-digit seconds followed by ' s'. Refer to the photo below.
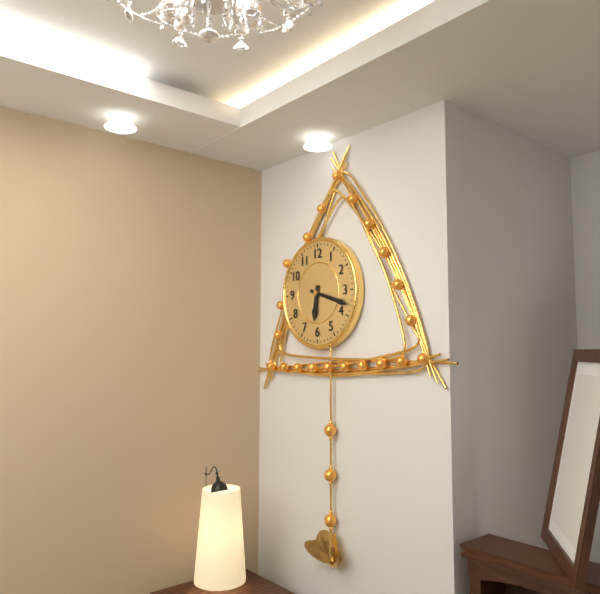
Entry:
6 h 18 min
